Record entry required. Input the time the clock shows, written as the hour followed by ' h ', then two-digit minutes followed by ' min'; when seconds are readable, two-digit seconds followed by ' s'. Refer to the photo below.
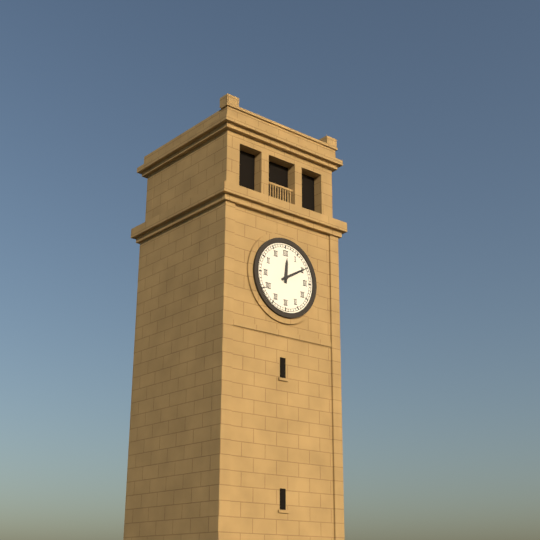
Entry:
12 h 10 min
